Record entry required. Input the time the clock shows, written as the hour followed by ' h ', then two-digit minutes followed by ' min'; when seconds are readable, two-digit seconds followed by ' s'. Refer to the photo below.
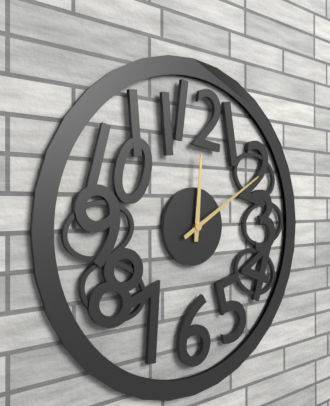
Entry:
12 h 10 min
